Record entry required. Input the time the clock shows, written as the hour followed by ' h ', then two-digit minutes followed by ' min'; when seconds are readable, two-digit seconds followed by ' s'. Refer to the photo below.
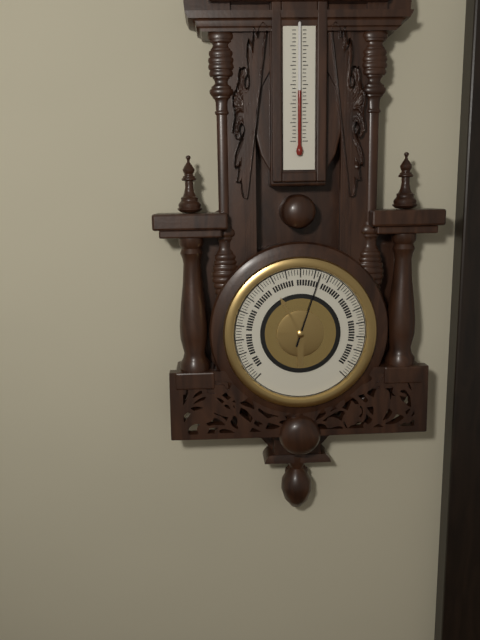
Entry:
11 h 03 min
